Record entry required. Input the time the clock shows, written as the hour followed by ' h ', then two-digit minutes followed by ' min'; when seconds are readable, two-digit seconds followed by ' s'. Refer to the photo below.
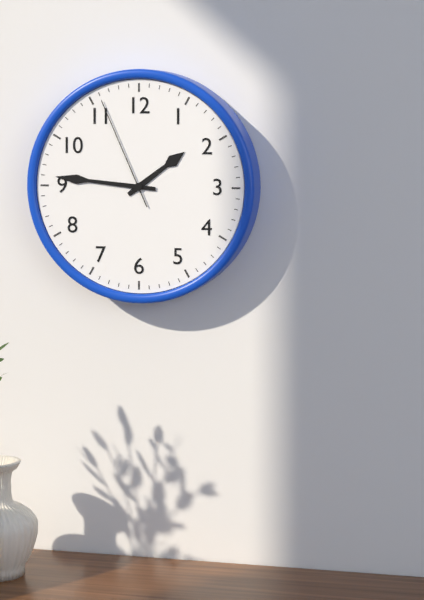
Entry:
1 h 46 min 56 s
